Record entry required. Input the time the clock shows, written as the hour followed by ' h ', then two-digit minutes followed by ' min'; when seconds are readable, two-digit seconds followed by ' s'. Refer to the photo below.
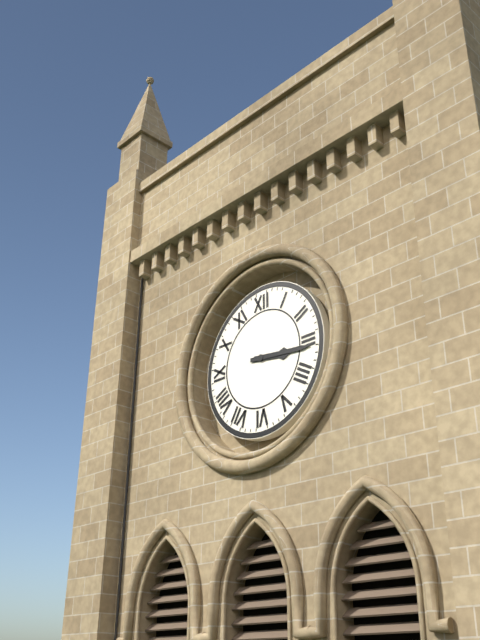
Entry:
3 h 16 min
